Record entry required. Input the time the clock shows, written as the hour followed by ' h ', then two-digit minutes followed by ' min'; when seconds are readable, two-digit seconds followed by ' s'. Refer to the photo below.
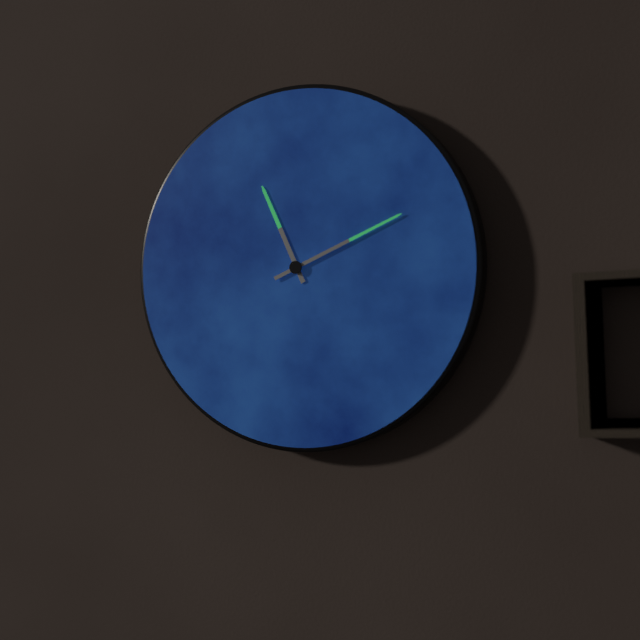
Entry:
11 h 11 min
